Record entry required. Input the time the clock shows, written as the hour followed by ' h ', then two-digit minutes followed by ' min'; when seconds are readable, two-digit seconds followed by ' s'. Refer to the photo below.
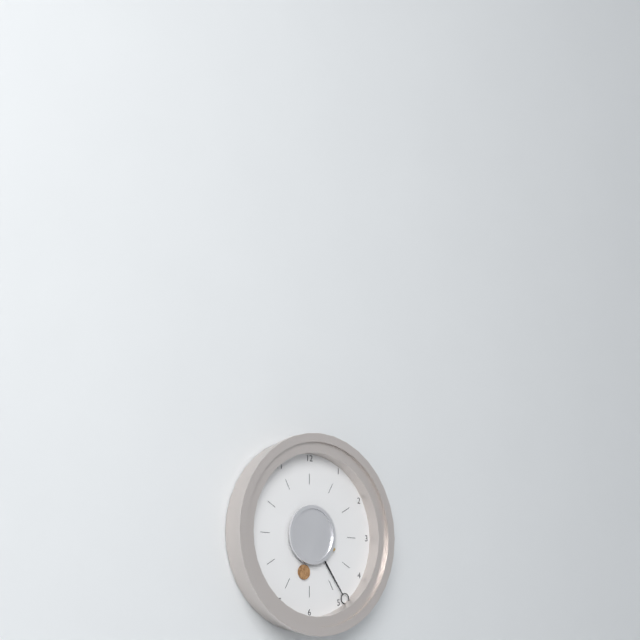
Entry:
6 h 24 min
